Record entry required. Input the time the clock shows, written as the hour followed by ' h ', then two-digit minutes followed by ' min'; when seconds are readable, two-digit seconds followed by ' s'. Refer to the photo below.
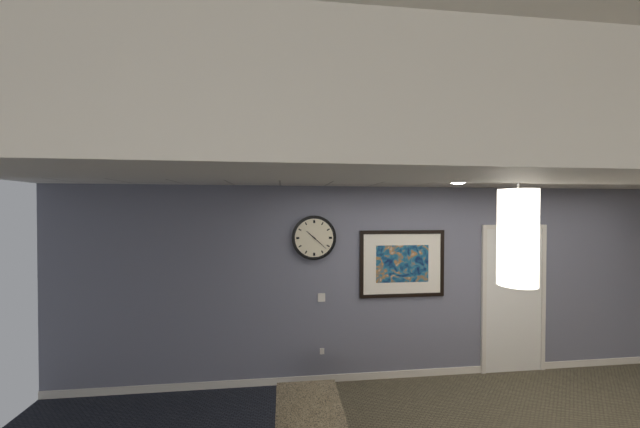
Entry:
10 h 22 min
